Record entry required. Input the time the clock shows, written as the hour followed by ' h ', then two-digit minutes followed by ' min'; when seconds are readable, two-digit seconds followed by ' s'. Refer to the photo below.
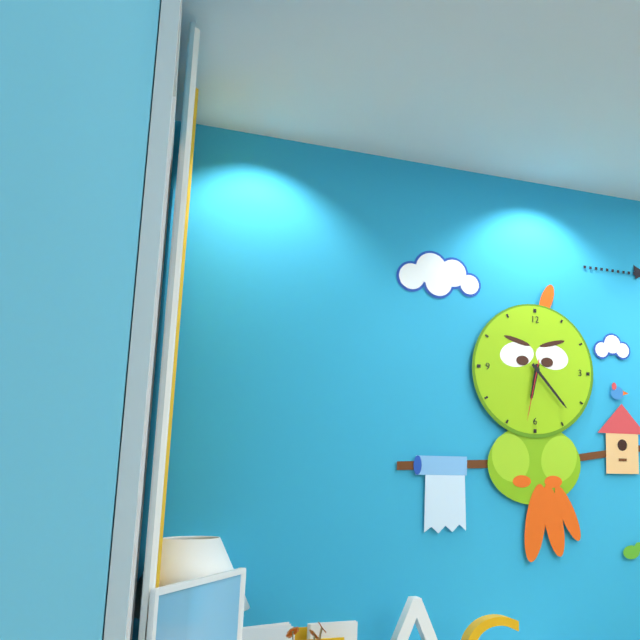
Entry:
6 h 23 min 32 s
